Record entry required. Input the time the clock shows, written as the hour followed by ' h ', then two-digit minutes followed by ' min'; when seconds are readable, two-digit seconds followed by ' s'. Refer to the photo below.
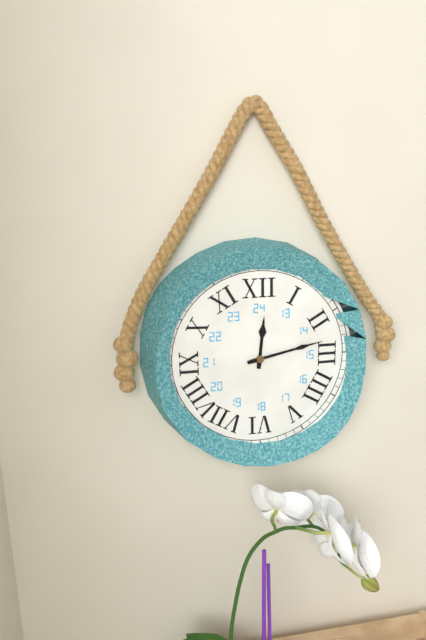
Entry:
12 h 13 min
